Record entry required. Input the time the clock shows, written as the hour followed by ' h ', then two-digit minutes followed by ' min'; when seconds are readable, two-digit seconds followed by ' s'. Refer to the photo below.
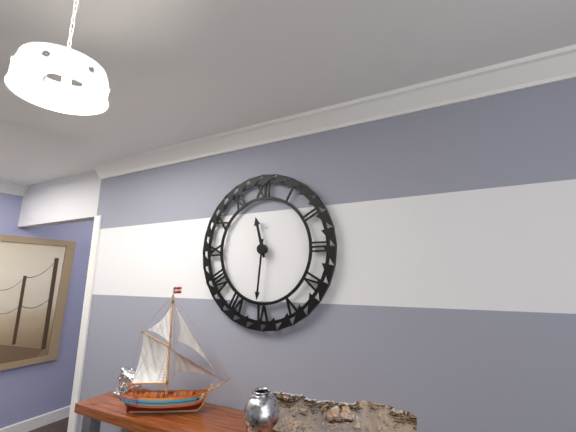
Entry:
11 h 31 min
